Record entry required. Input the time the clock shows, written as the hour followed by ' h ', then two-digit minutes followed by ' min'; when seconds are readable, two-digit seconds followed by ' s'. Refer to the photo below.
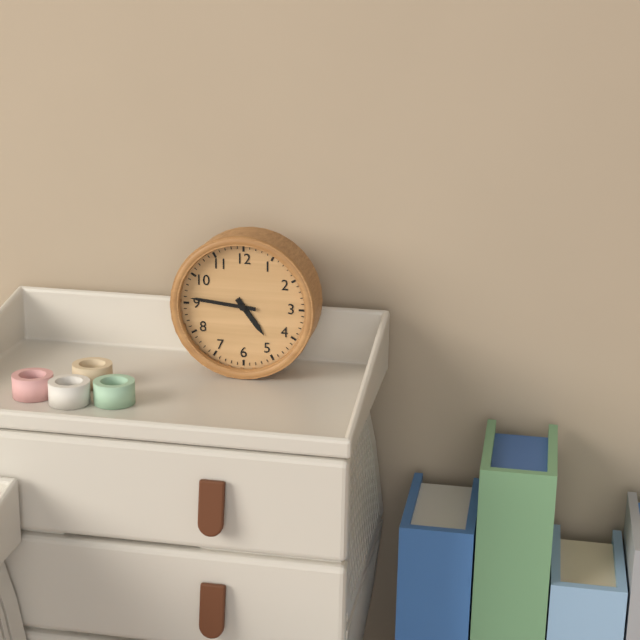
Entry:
4 h 46 min
